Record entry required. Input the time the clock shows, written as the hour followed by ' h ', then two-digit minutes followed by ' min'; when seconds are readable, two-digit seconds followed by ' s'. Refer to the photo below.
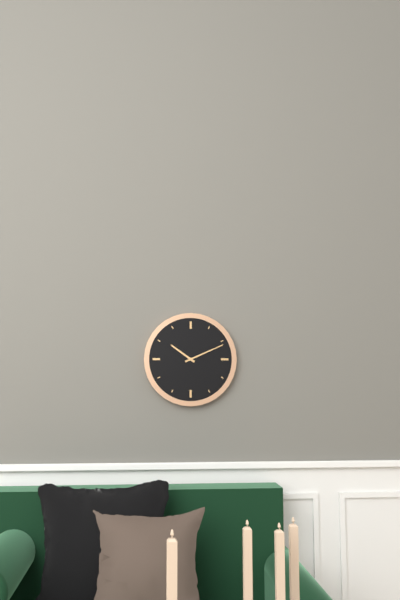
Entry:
10 h 11 min
